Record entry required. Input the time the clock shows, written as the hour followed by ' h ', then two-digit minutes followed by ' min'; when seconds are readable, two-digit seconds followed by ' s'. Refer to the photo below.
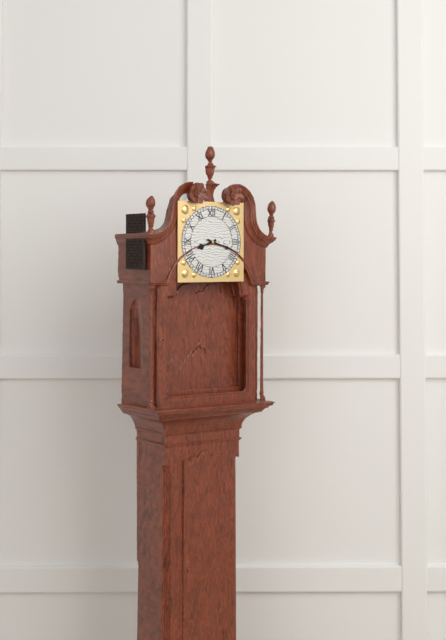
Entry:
8 h 18 min
